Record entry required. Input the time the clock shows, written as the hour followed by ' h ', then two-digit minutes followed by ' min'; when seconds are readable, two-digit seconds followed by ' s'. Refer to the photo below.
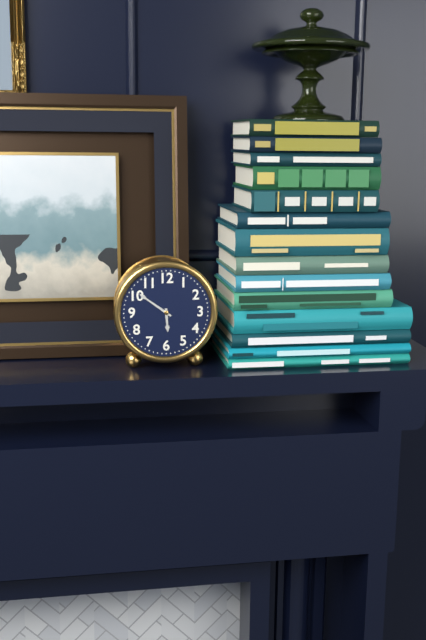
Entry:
5 h 51 min
